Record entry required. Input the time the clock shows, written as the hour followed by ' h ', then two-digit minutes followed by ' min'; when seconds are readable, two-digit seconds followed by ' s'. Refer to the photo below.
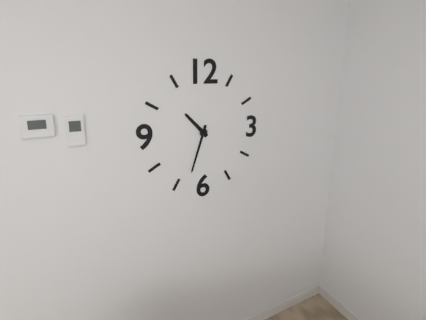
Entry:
10 h 33 min
